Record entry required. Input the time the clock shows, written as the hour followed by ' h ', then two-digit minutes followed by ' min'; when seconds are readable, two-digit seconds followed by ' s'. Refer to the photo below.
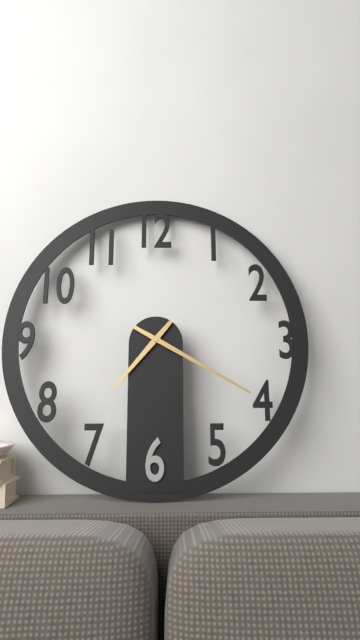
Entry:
7 h 20 min
